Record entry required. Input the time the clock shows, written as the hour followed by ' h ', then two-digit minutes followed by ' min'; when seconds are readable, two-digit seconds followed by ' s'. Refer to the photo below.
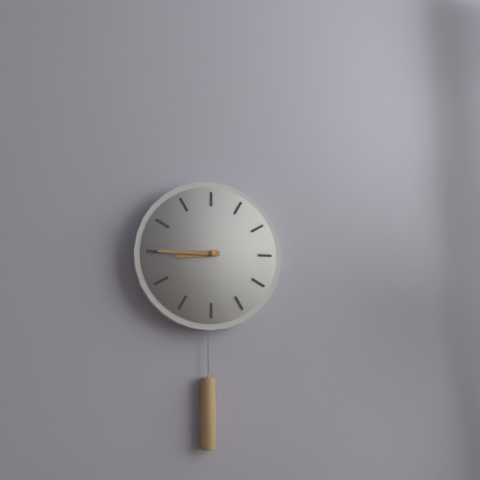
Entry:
8 h 45 min
